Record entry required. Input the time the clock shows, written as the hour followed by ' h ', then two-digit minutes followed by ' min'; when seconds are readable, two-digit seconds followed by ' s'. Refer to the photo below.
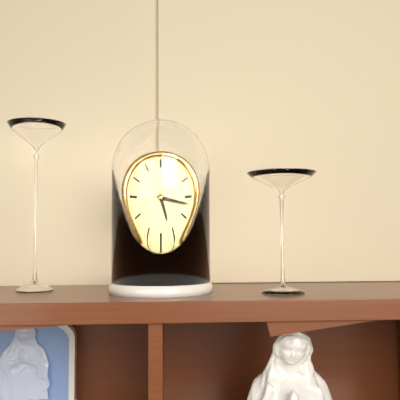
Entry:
5 h 17 min
